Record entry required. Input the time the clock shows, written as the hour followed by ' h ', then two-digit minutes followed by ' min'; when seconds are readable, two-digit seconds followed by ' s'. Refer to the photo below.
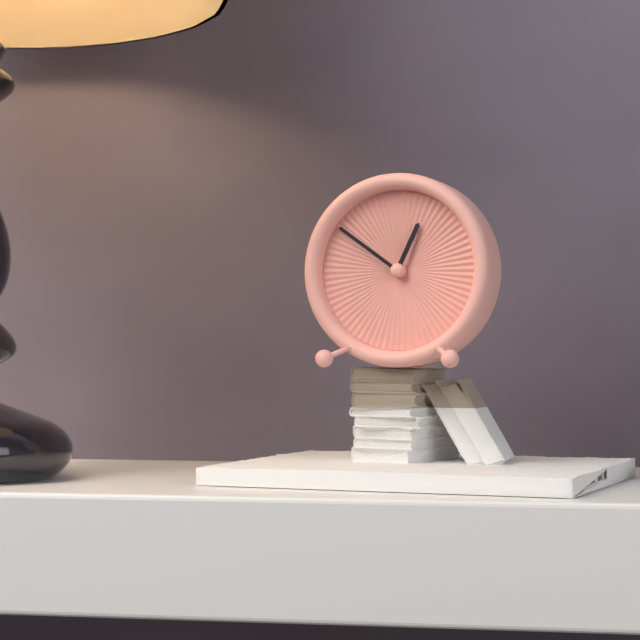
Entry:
12 h 51 min
